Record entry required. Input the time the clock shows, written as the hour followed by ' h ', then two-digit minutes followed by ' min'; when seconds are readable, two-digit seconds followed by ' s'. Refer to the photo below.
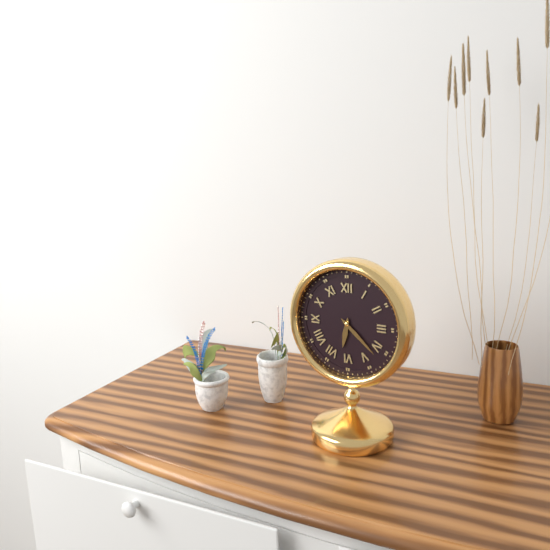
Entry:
6 h 22 min
